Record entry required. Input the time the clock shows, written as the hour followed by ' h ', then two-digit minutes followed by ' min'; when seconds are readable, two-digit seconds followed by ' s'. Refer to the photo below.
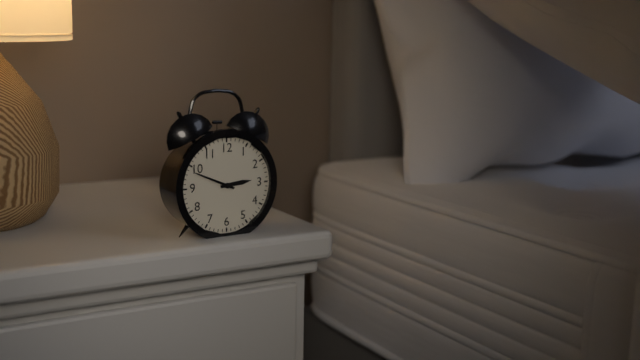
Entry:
2 h 49 min
